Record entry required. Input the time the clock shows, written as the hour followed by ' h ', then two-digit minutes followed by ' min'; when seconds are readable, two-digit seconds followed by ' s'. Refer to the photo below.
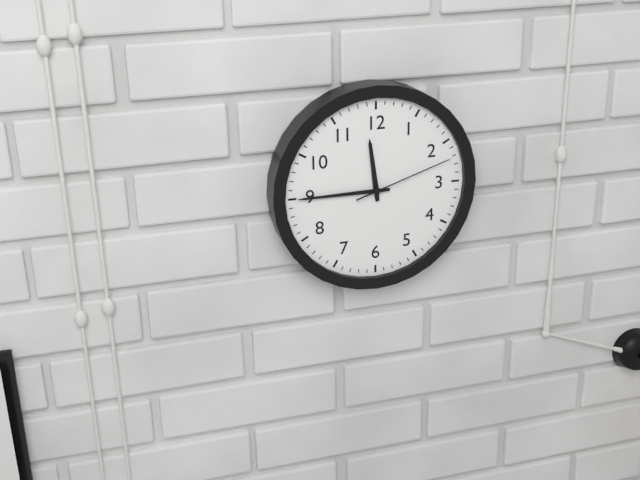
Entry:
11 h 45 min 12 s
